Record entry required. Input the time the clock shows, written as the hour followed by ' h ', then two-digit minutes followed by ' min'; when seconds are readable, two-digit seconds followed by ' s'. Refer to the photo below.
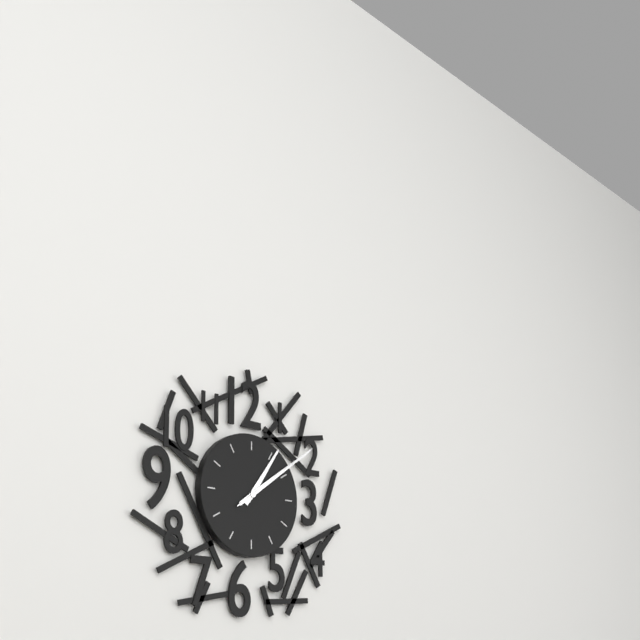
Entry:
1 h 09 min 09 s
